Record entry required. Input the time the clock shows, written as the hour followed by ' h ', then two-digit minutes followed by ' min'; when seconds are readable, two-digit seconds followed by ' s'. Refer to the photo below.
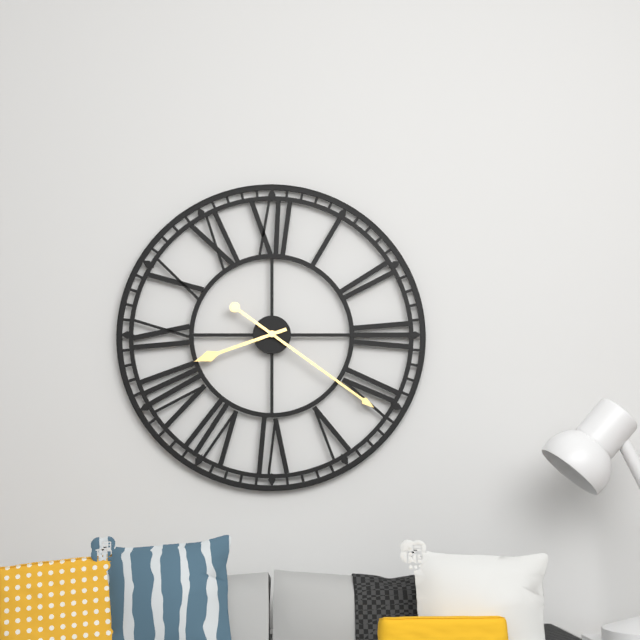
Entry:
8 h 21 min
